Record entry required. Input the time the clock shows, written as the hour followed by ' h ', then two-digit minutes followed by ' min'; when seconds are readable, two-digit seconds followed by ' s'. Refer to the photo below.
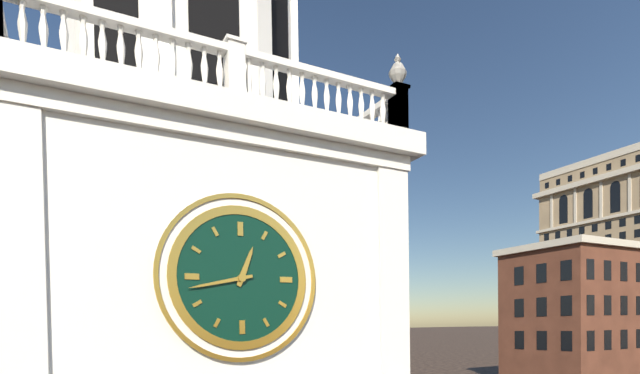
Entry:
12 h 43 min
